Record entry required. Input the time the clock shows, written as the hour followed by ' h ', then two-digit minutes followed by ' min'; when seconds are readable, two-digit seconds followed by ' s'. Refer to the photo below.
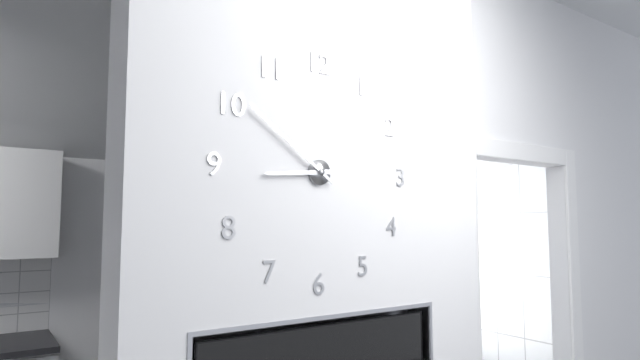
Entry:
8 h 51 min
